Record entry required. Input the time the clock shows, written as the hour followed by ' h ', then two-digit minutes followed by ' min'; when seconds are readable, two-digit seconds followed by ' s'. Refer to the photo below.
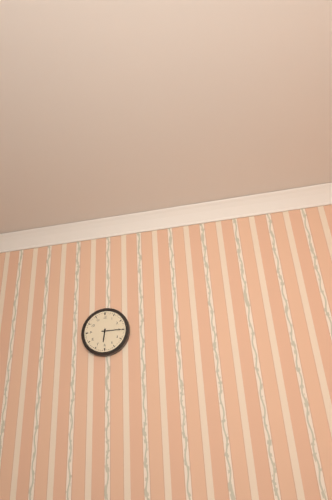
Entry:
6 h 15 min
